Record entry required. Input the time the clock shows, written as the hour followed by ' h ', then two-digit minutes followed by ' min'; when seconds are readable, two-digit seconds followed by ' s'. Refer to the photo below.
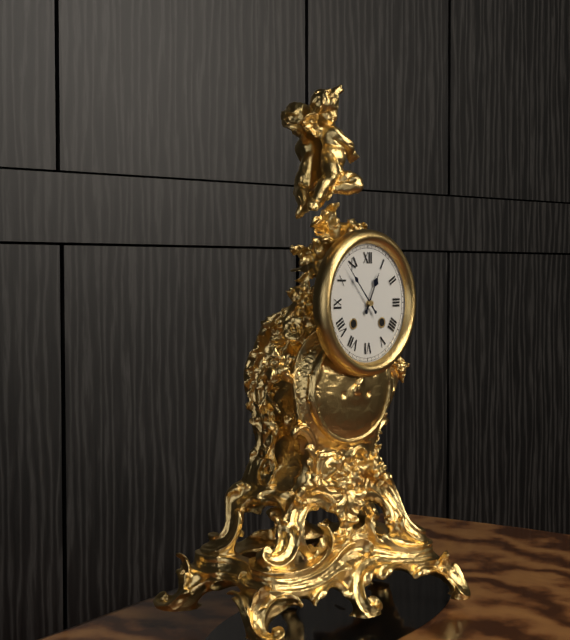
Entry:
12 h 53 min
